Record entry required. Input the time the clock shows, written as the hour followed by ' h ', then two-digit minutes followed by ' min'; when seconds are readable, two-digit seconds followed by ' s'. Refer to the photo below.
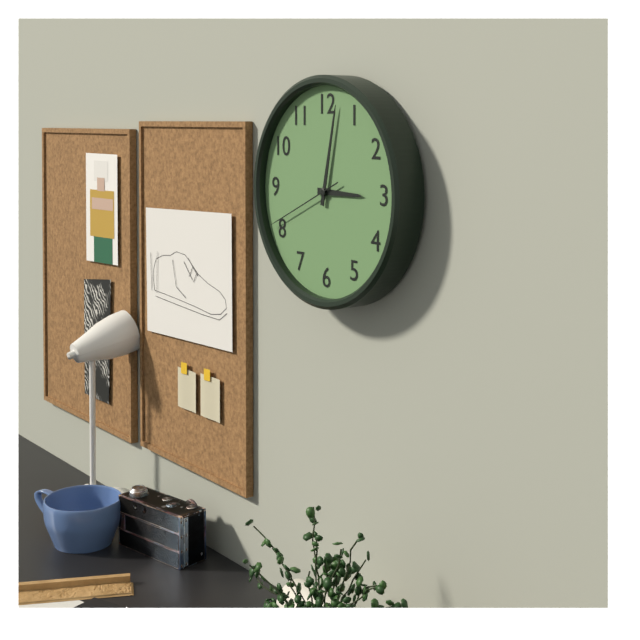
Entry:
3 h 02 min 41 s
